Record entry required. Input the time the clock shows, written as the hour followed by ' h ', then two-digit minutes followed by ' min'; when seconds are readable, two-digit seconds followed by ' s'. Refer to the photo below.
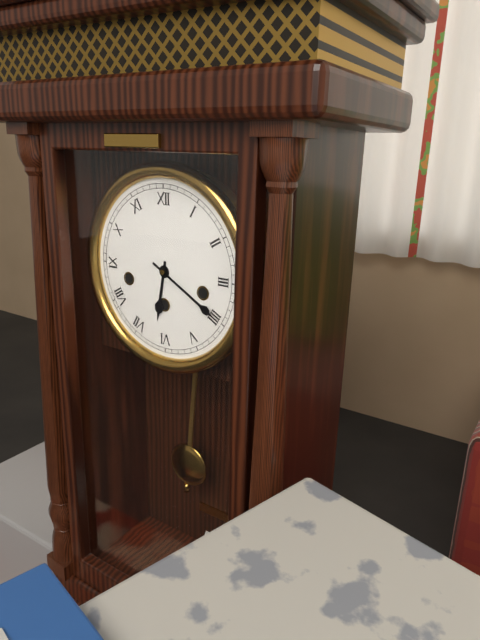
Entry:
6 h 20 min
